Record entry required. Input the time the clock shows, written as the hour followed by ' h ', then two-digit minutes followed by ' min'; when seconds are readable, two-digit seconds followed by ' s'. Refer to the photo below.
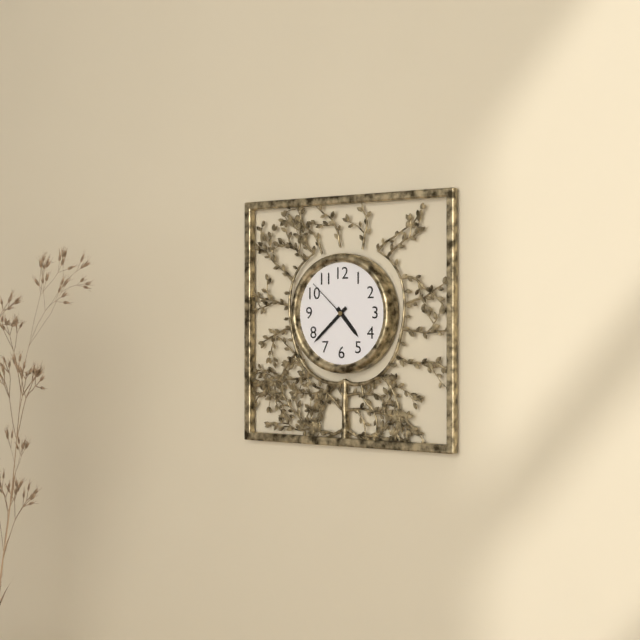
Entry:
4 h 38 min 52 s
